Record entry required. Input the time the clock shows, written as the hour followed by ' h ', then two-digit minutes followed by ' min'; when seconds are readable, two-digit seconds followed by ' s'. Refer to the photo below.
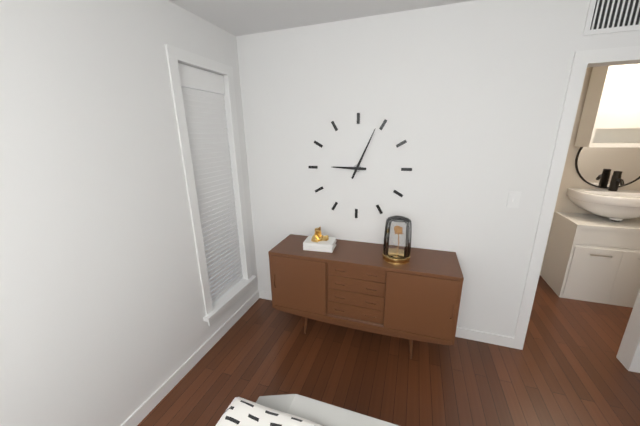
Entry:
9 h 04 min
